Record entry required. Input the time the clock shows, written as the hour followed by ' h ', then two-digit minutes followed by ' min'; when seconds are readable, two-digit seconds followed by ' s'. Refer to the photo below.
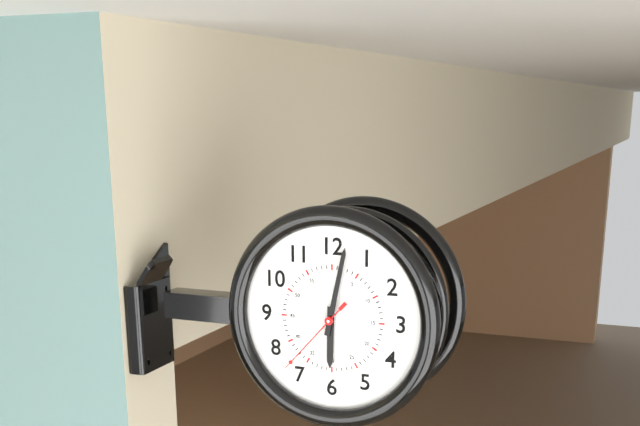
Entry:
6 h 02 min 37 s
